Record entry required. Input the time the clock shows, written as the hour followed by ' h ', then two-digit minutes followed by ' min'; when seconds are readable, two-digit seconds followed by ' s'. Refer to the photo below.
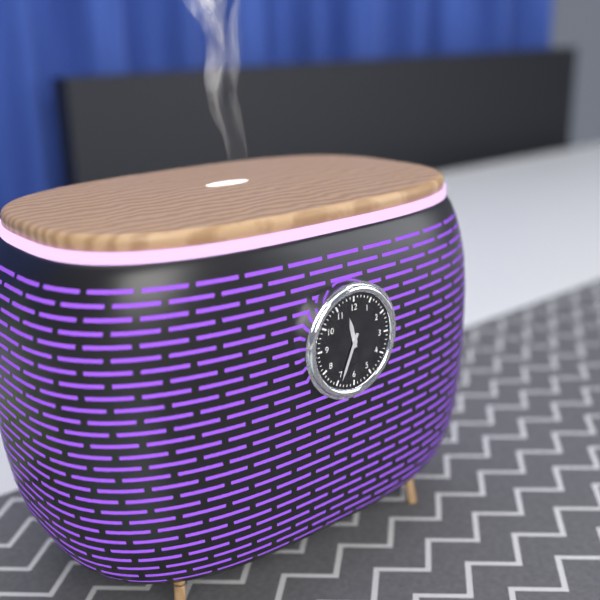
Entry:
11 h 34 min
